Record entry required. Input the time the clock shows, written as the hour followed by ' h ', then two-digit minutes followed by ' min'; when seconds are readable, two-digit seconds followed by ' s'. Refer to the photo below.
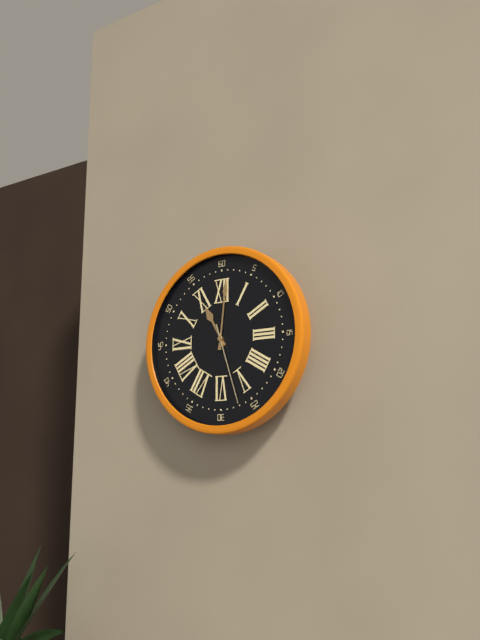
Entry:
11 h 01 min 27 s
